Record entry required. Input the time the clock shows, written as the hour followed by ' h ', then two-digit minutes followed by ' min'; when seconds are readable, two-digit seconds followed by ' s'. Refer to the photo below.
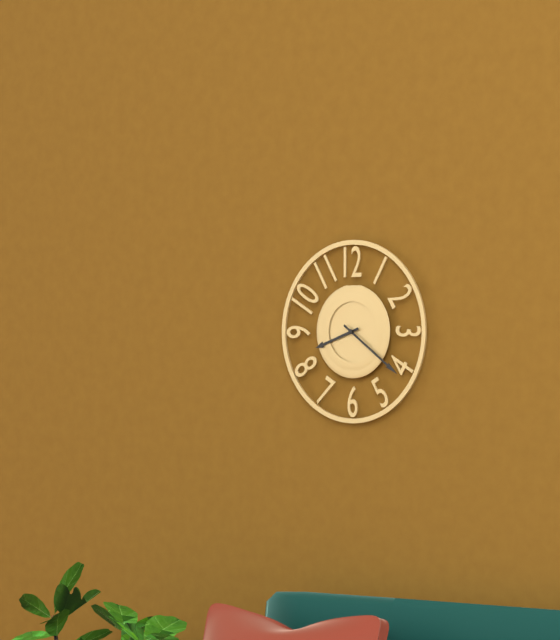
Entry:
8 h 21 min
